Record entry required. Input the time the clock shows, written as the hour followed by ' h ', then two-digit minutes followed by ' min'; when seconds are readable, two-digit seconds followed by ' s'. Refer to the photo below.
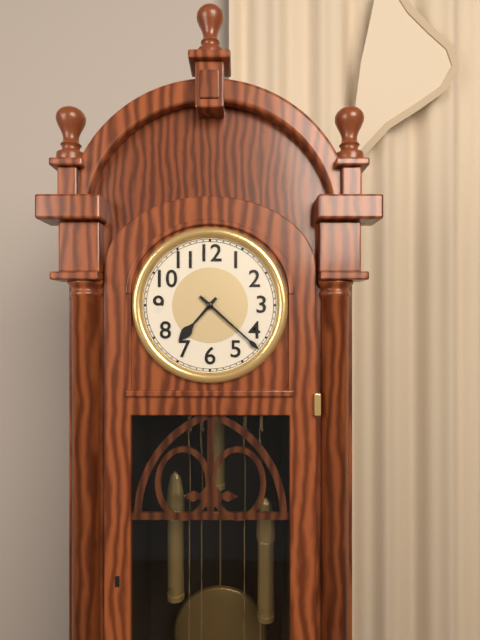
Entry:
7 h 22 min
